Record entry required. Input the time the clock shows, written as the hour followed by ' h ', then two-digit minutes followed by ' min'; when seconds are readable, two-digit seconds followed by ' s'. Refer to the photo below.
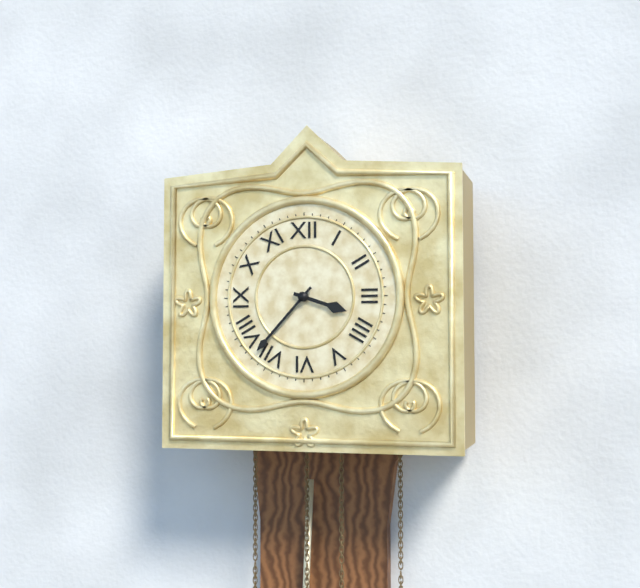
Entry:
3 h 37 min
